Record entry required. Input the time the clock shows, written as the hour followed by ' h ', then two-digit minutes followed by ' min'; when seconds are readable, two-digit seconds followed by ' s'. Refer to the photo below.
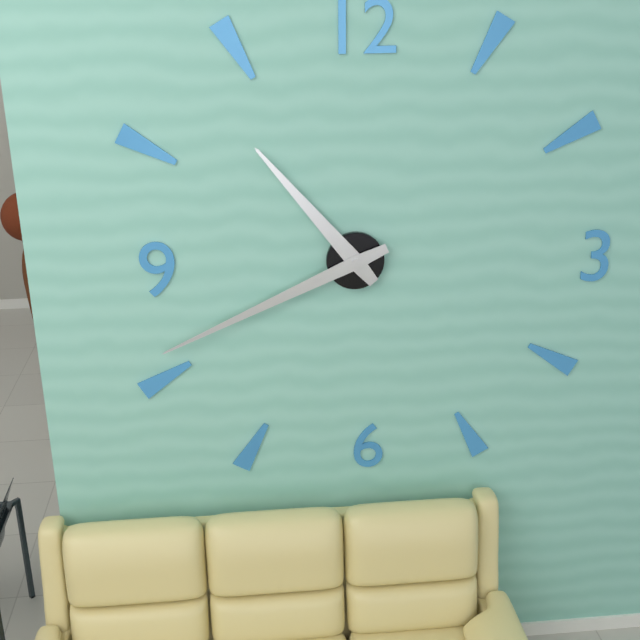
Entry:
10 h 41 min
